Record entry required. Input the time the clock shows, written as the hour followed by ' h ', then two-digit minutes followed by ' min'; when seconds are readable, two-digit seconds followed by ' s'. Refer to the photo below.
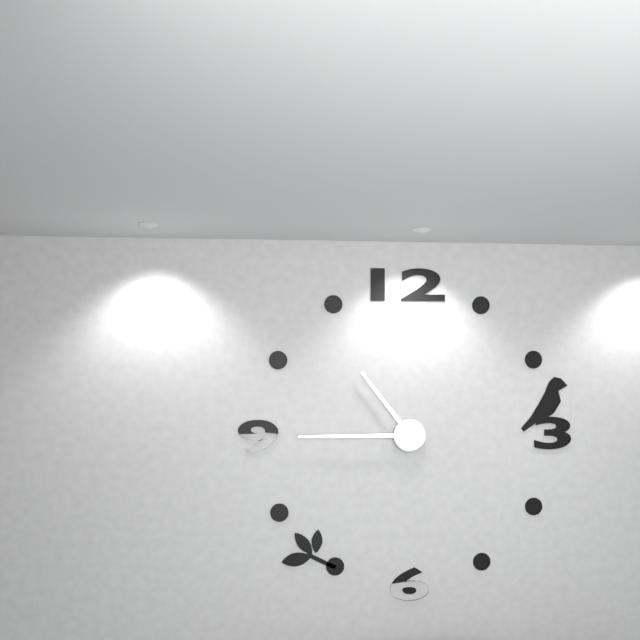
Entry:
10 h 45 min
